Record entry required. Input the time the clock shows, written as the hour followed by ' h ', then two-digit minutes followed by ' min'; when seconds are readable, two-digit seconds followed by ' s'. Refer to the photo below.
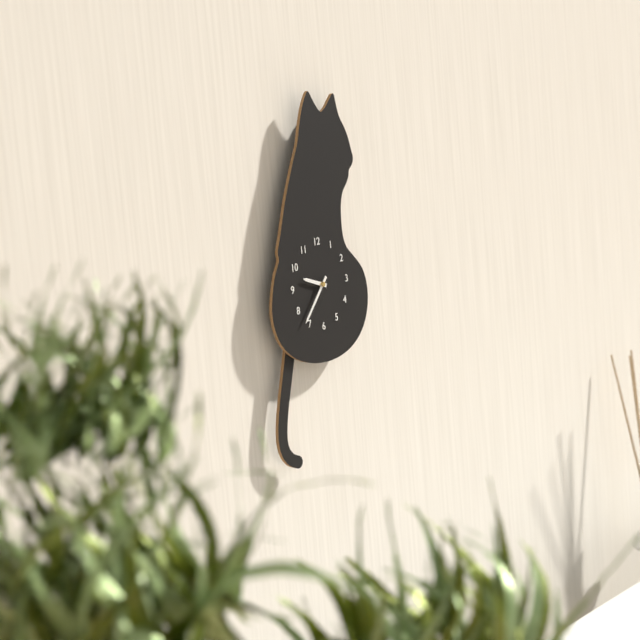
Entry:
9 h 37 min
